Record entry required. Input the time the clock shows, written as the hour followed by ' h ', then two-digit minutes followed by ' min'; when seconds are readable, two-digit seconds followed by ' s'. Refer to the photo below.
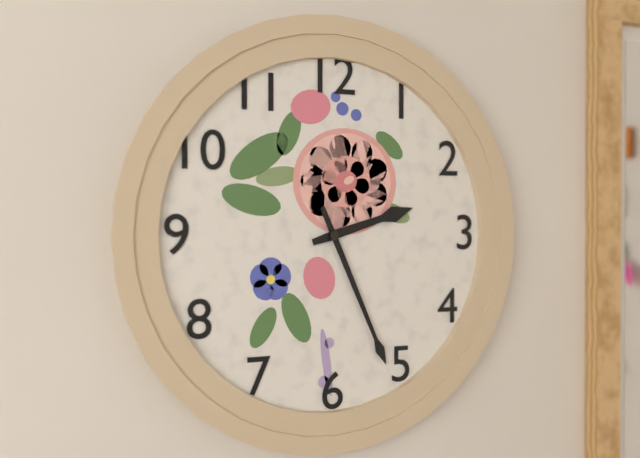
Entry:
2 h 26 min
